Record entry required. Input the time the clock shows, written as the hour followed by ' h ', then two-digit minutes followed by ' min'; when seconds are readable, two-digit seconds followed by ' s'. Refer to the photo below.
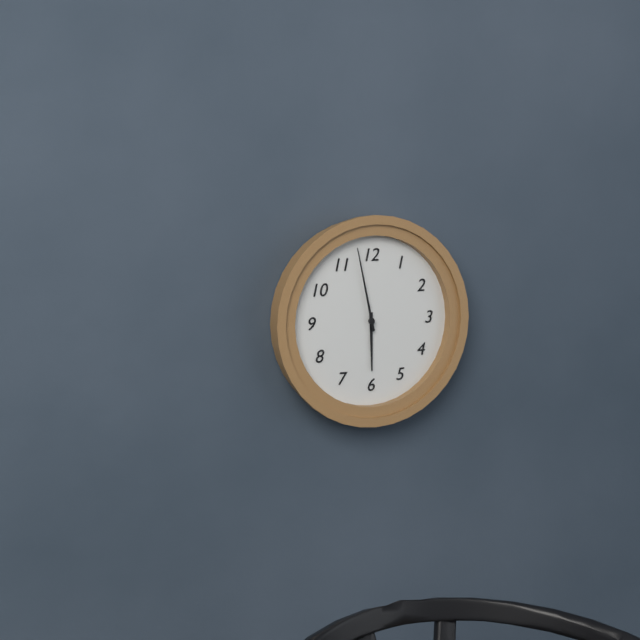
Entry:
5 h 58 min
